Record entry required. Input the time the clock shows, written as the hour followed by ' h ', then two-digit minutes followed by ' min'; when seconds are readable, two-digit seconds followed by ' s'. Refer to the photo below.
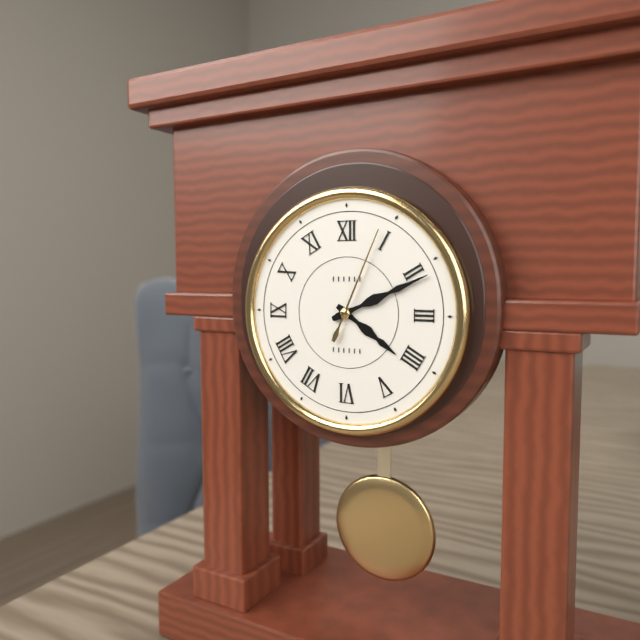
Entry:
4 h 11 min 04 s
